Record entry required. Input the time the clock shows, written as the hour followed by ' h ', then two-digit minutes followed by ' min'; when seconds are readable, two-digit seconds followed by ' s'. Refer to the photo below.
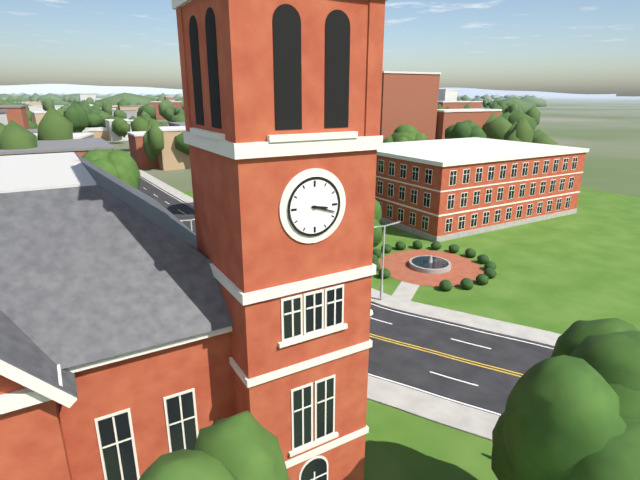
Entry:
3 h 18 min
